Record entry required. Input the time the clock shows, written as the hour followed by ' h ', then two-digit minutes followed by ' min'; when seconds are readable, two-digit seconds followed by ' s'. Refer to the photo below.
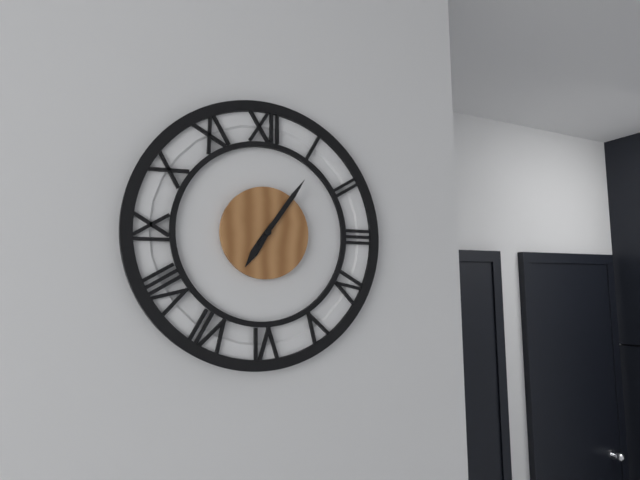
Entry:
7 h 06 min
